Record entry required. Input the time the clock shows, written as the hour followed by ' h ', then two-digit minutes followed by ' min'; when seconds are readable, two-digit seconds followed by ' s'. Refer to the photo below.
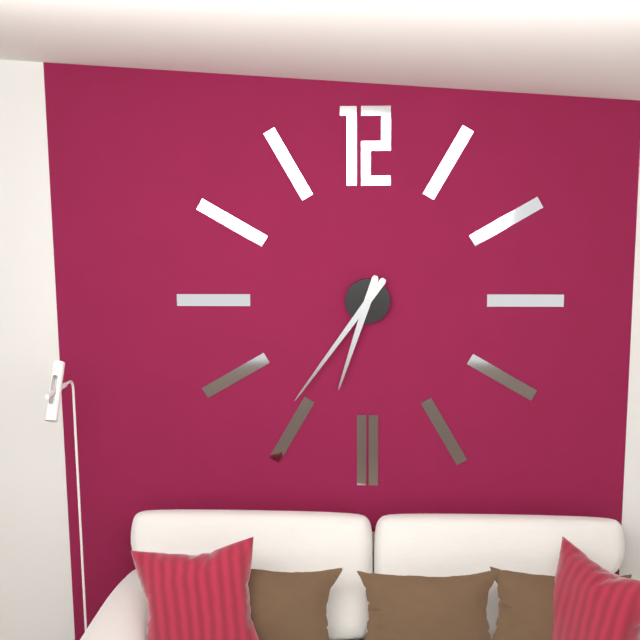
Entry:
6 h 36 min
